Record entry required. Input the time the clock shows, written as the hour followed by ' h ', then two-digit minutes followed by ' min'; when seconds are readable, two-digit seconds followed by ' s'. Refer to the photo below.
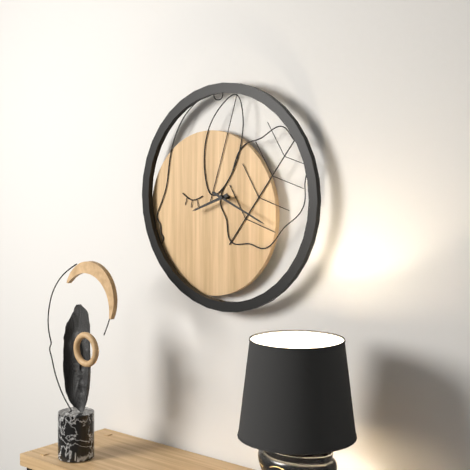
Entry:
8 h 19 min
